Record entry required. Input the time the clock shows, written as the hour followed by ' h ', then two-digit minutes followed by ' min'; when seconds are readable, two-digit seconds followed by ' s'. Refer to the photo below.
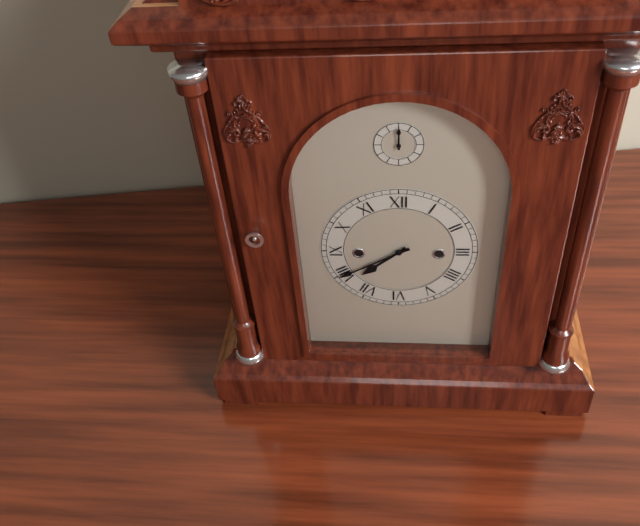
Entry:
7 h 40 min
